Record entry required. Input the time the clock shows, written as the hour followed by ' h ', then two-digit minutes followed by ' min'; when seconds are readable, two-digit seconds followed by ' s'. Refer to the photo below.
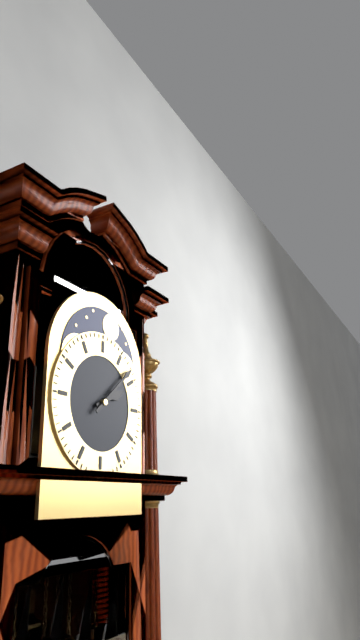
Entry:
2 h 08 min
